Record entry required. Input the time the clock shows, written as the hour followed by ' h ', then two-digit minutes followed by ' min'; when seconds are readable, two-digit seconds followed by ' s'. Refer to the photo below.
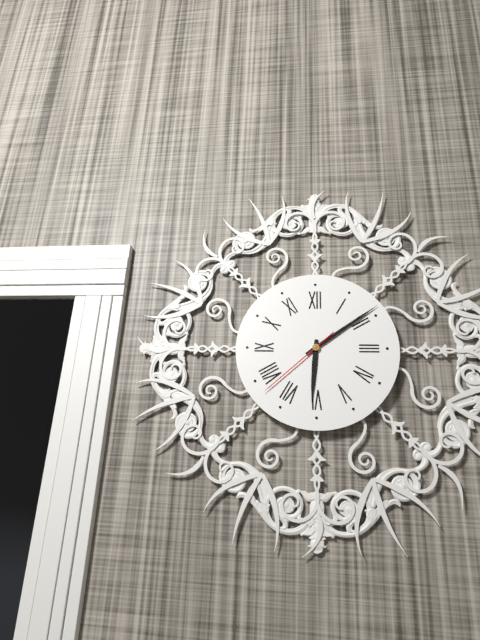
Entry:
6 h 09 min 38 s
